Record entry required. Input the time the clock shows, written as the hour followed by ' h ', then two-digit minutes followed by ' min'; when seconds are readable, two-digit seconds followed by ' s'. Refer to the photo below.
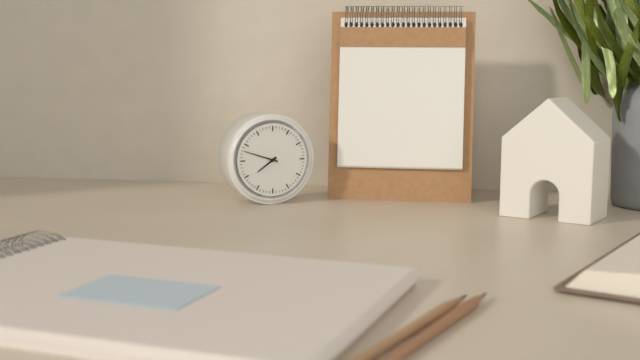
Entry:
7 h 48 min
